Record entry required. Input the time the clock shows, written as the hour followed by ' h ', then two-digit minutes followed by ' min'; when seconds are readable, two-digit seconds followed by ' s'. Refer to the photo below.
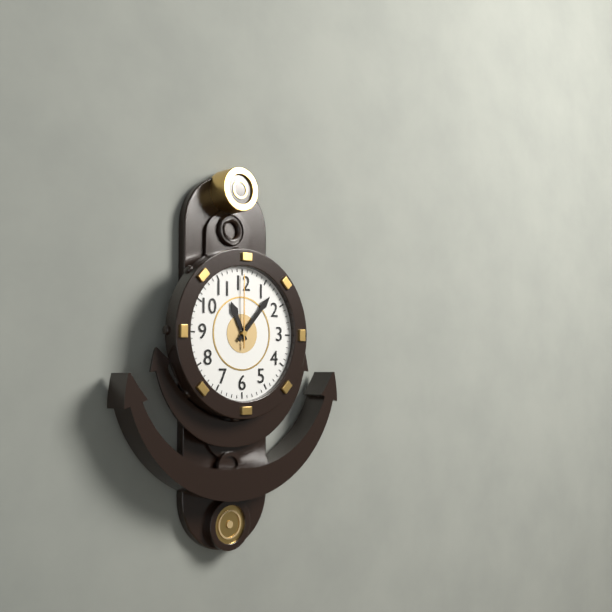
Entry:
11 h 07 min 00 s
